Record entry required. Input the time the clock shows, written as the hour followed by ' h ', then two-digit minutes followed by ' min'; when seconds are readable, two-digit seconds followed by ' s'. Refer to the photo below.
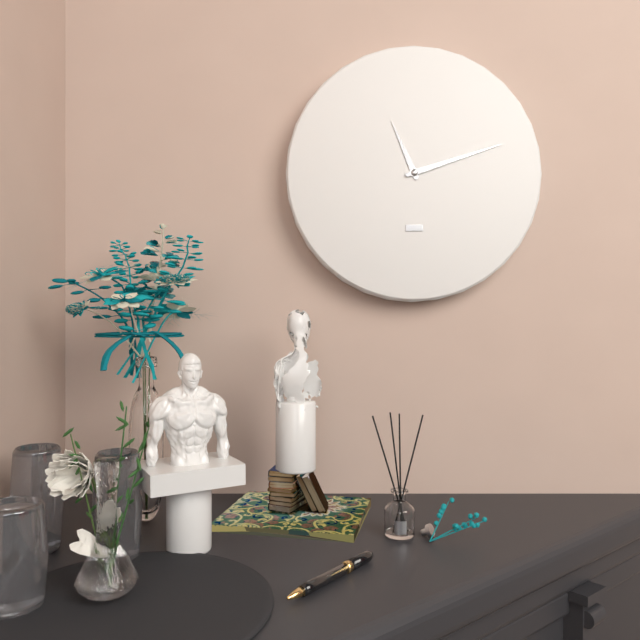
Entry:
11 h 12 min
